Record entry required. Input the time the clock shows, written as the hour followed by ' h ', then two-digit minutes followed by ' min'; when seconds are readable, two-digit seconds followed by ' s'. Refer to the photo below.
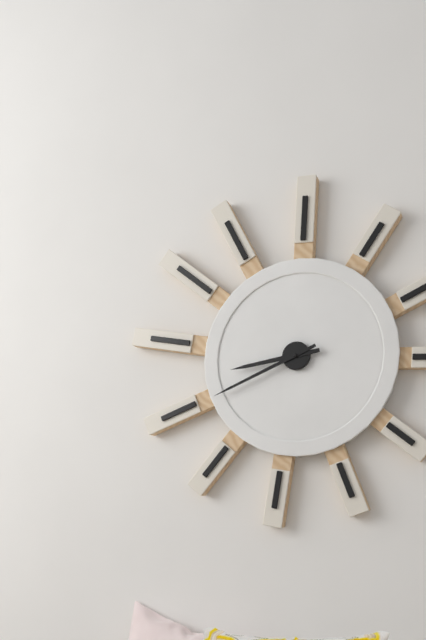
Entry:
8 h 41 min
